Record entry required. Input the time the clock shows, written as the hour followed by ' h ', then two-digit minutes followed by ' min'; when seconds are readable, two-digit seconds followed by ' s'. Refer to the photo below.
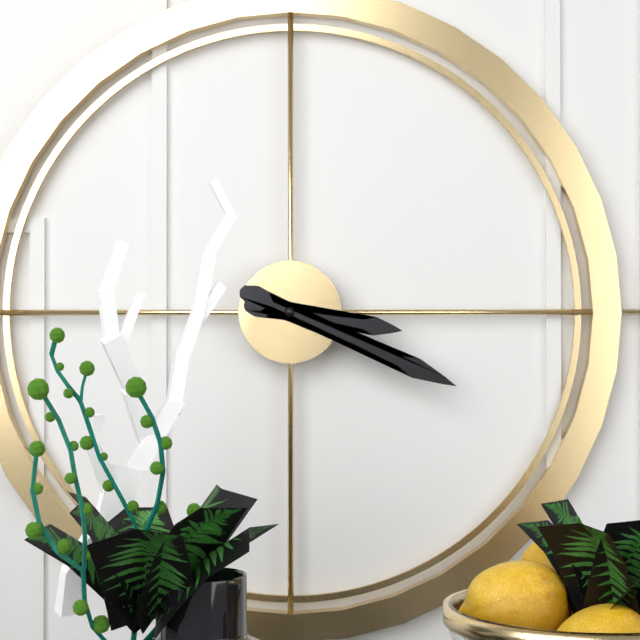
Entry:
3 h 19 min
